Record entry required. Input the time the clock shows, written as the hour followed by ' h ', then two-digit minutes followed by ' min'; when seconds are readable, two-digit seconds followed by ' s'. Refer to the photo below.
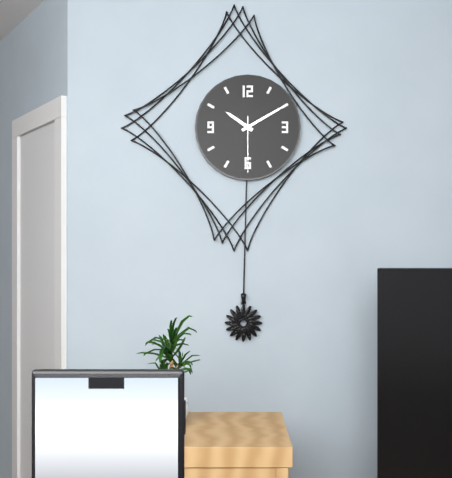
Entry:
10 h 10 min 30 s
